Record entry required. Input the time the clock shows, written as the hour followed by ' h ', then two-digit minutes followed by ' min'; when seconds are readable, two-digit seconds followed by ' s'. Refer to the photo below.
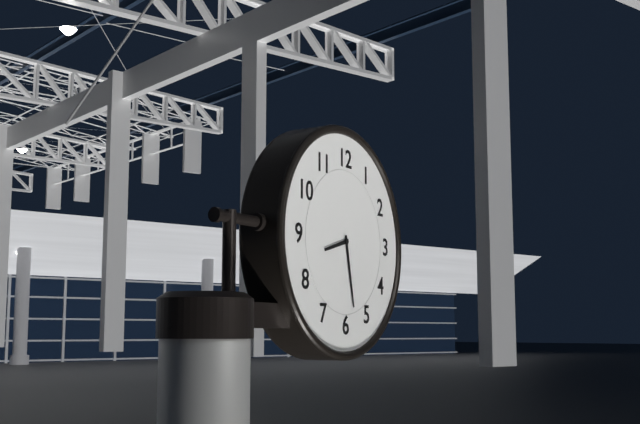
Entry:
8 h 28 min
